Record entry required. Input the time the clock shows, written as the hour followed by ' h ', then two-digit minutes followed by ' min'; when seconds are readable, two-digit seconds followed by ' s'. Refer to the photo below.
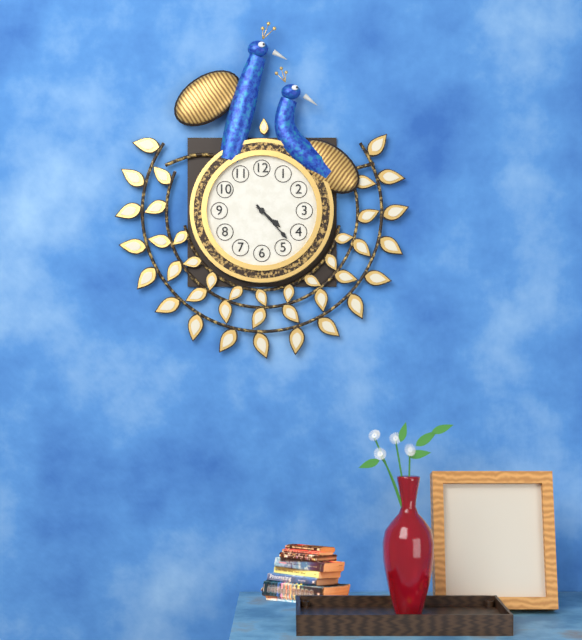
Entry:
4 h 23 min
